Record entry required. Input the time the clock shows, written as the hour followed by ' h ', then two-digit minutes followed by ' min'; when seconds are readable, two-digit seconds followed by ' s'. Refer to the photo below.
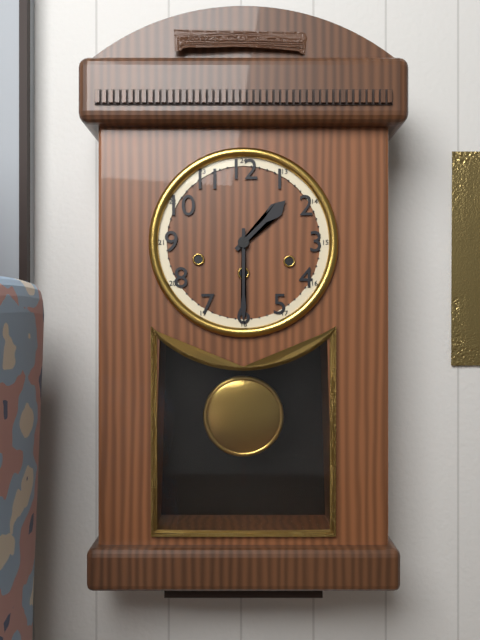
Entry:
1 h 30 min
